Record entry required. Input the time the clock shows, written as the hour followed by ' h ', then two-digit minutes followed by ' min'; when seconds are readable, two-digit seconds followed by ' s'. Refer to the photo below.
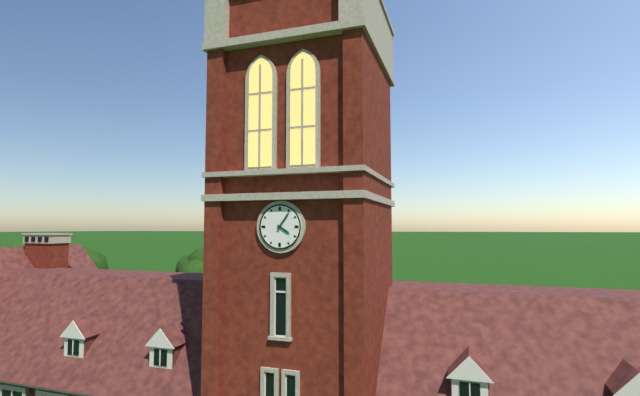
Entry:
4 h 06 min
